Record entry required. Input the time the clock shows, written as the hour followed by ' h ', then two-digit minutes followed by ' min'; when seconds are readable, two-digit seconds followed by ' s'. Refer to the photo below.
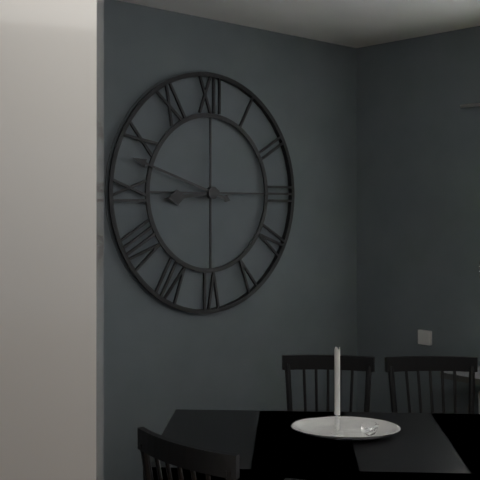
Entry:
8 h 48 min
